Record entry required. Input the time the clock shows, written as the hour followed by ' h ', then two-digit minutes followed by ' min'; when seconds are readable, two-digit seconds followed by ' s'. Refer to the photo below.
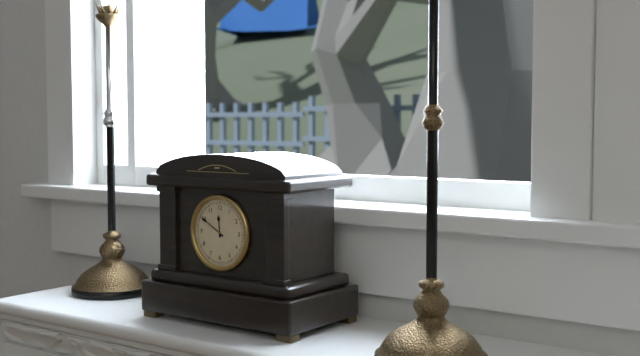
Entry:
11 h 50 min
